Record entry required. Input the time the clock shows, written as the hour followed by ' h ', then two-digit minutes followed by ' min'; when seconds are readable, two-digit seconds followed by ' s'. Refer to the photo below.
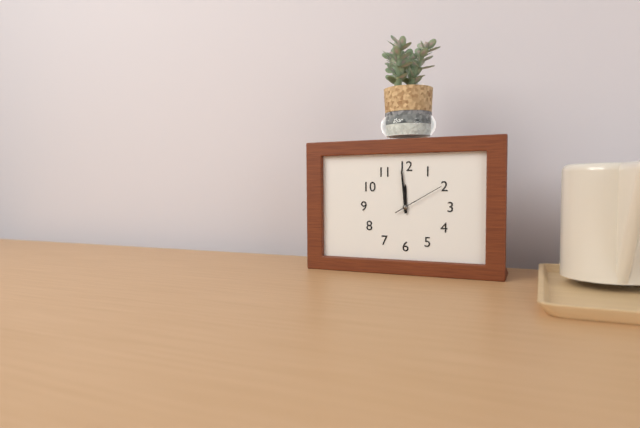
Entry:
11 h 59 min 10 s
